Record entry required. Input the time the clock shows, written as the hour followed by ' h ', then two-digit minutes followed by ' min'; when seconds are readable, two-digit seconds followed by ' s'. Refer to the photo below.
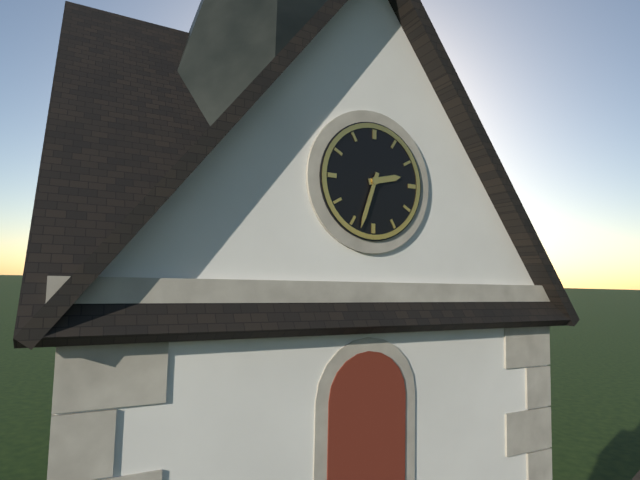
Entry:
2 h 33 min
